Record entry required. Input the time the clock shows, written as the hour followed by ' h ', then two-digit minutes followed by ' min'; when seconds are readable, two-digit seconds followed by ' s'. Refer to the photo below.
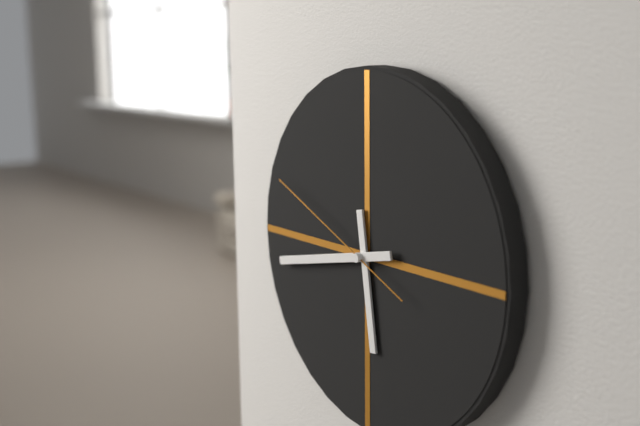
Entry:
5 h 43 min 49 s
